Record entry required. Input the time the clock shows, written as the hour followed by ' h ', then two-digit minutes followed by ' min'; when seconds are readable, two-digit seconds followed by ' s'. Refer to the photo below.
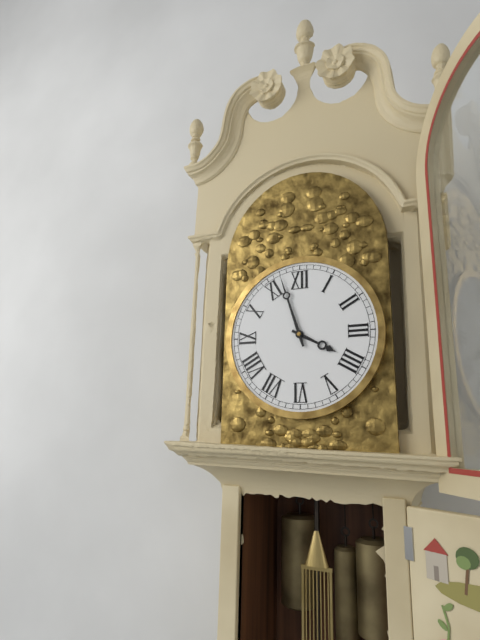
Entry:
3 h 57 min
